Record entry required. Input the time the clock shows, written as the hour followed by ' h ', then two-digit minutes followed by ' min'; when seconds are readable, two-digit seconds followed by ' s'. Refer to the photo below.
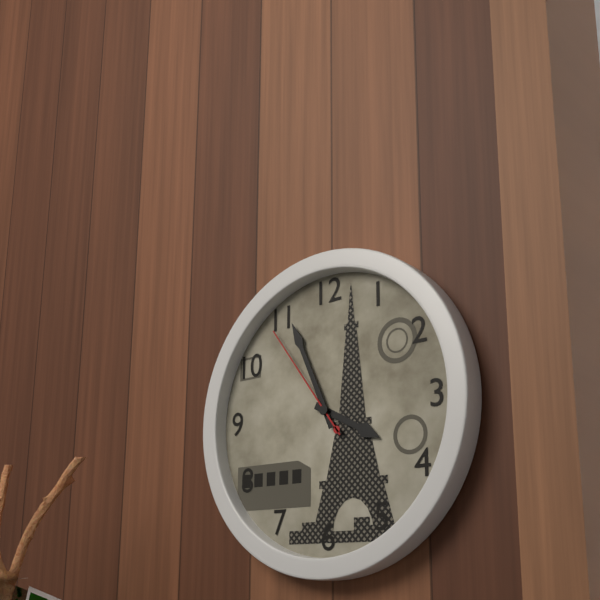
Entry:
3 h 56 min 54 s
